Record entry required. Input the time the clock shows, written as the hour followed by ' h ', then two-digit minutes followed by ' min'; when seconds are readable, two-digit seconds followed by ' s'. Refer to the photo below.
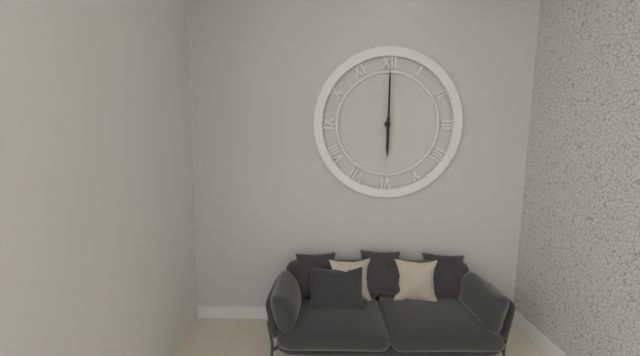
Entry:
6 h 00 min
